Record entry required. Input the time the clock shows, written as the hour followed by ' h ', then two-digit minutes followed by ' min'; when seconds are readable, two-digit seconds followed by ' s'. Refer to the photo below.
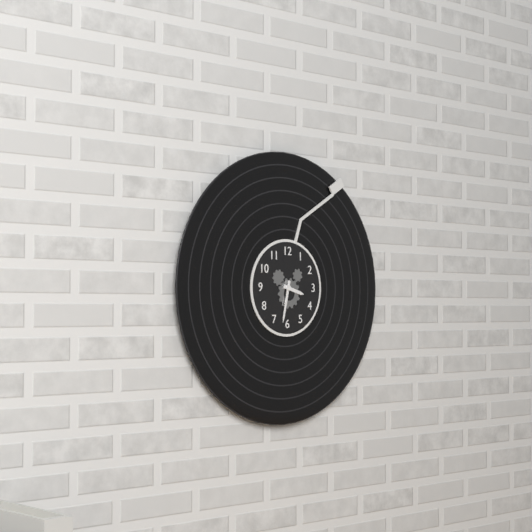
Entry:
3 h 32 min
